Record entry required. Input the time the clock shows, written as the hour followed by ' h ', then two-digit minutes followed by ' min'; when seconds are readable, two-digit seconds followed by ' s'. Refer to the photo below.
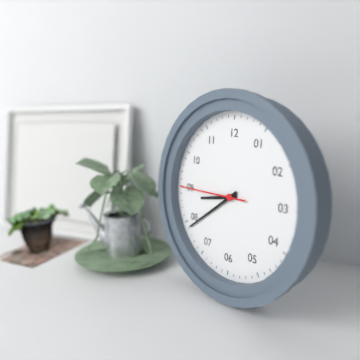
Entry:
8 h 39 min 45 s
